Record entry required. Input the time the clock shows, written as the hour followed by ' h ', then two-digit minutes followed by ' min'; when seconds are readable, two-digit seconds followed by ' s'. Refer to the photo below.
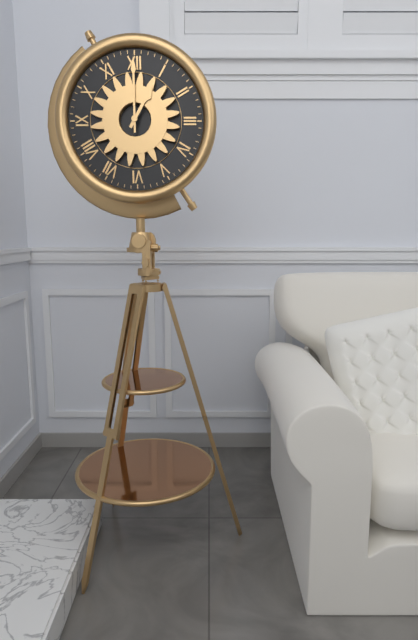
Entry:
1 h 00 min
